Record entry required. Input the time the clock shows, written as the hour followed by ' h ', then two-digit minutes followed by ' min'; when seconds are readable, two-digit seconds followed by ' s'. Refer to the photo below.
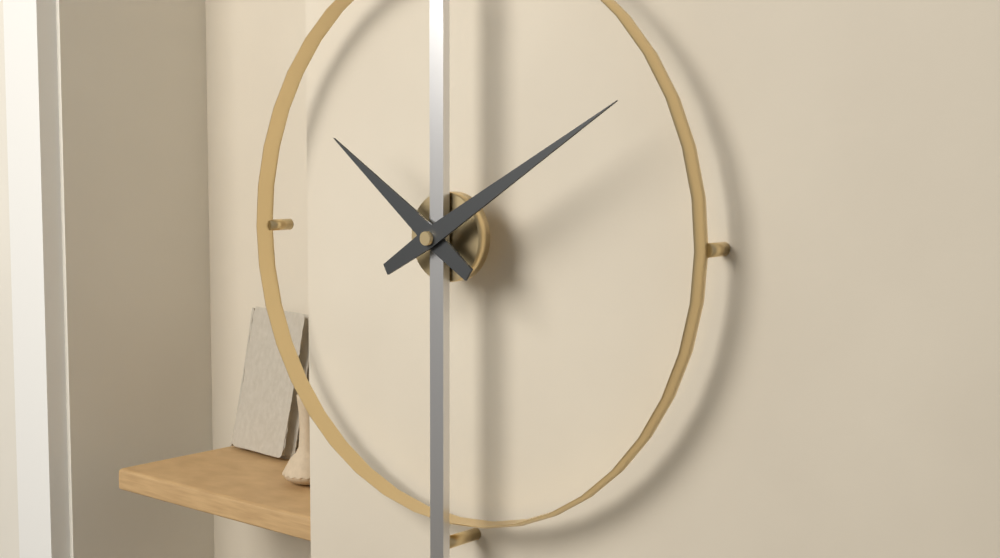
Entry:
10 h 10 min
